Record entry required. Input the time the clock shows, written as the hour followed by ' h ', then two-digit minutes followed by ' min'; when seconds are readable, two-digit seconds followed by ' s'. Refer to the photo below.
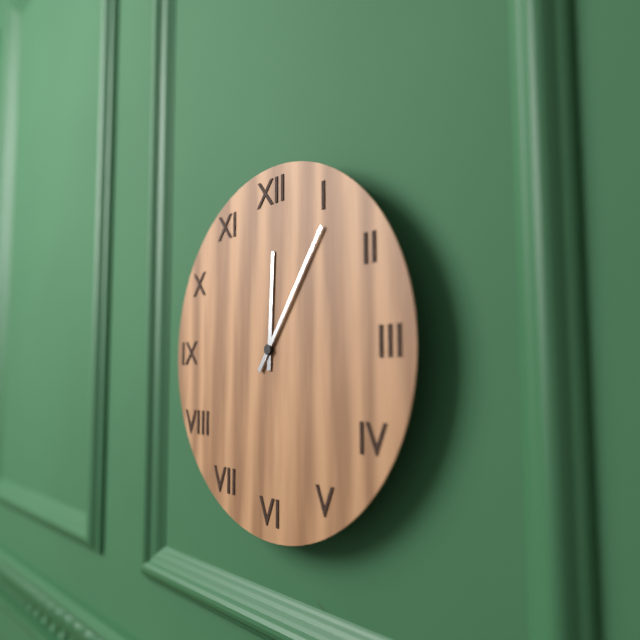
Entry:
12 h 06 min
